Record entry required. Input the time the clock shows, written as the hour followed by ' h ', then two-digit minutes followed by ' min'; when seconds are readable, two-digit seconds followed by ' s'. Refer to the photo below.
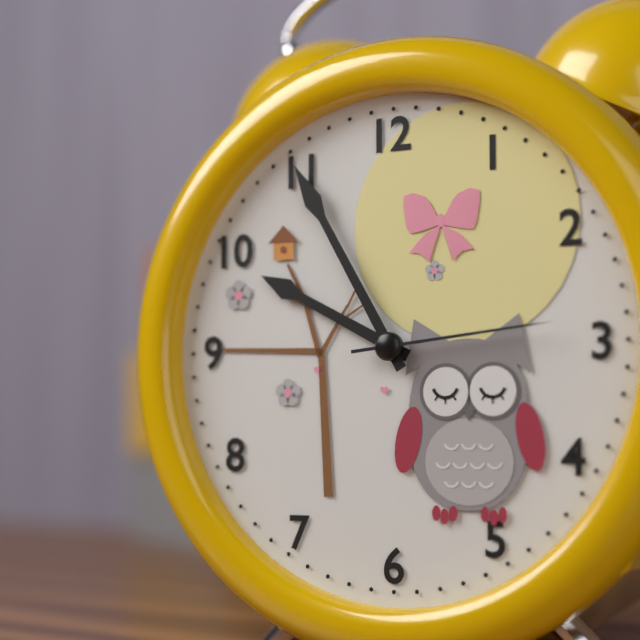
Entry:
9 h 55 min 14 s
